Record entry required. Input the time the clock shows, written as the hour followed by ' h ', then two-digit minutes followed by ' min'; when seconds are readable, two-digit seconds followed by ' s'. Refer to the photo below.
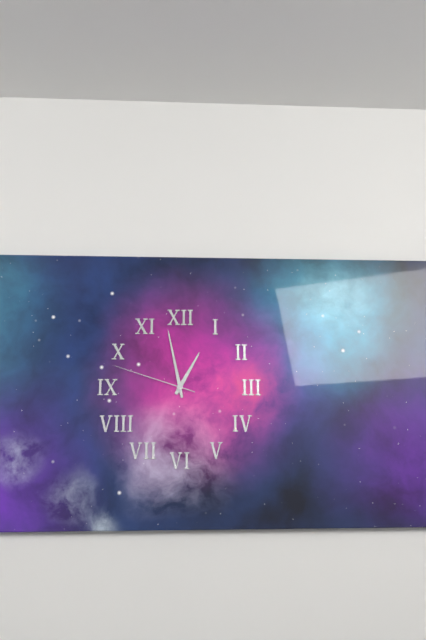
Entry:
12 h 58 min 48 s
